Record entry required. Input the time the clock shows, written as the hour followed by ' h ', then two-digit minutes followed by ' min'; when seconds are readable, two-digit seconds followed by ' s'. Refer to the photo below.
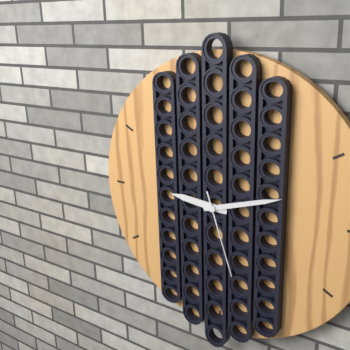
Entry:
9 h 12 min 27 s
